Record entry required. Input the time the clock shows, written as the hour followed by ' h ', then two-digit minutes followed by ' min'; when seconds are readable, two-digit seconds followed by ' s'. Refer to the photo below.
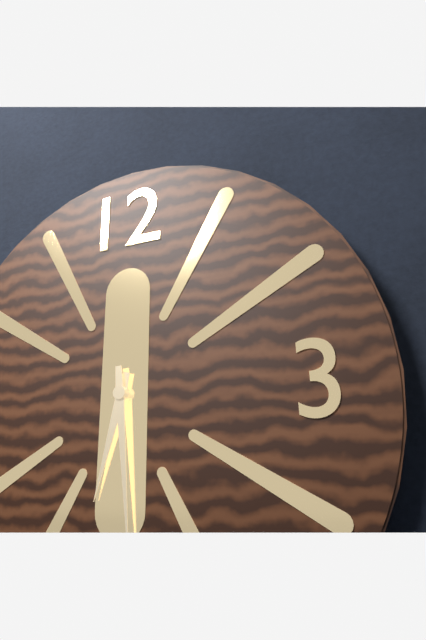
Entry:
6 h 29 min
